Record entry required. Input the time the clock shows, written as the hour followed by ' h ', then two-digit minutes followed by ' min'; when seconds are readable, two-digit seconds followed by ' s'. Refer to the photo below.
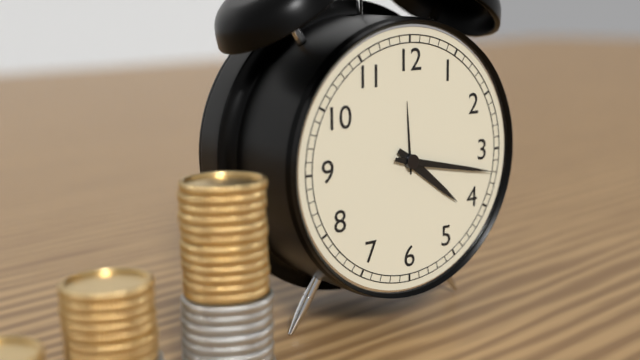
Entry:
4 h 17 min
